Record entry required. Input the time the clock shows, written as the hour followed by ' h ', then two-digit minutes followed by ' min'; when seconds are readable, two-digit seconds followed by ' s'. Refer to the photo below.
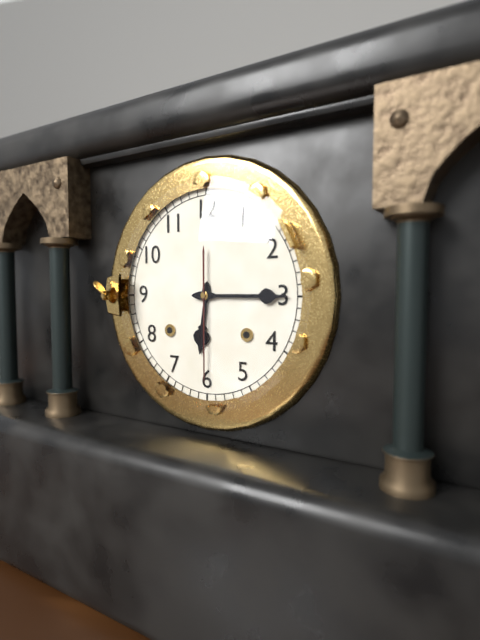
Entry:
6 h 15 min 30 s
